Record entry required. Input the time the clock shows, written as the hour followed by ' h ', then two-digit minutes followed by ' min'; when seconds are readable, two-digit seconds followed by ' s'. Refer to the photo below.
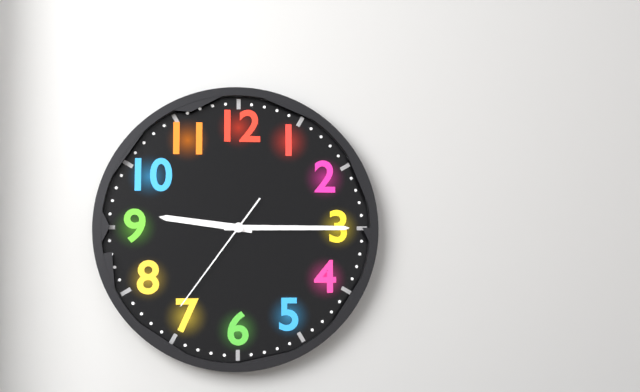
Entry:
9 h 15 min 36 s
